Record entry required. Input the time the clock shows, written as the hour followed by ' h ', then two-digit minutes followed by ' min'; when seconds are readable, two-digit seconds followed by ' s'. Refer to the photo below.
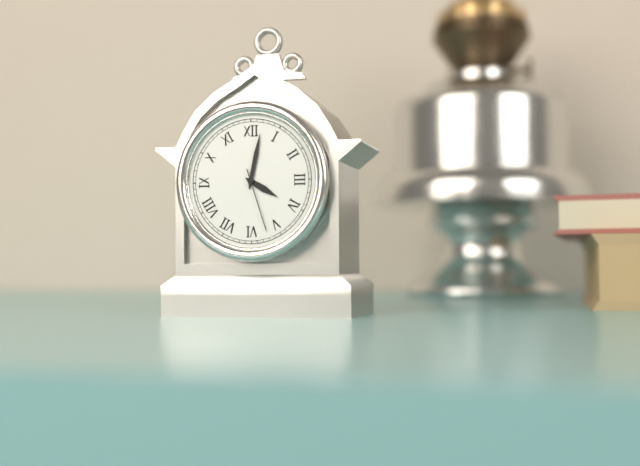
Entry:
4 h 02 min 27 s
